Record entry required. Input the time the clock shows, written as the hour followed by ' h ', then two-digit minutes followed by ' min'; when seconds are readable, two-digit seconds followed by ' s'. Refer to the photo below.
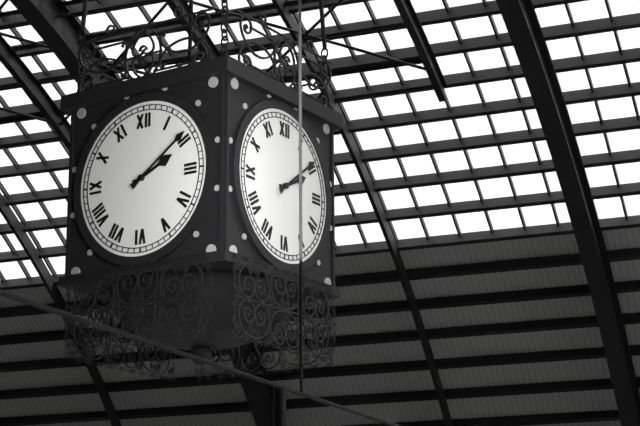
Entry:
2 h 09 min
